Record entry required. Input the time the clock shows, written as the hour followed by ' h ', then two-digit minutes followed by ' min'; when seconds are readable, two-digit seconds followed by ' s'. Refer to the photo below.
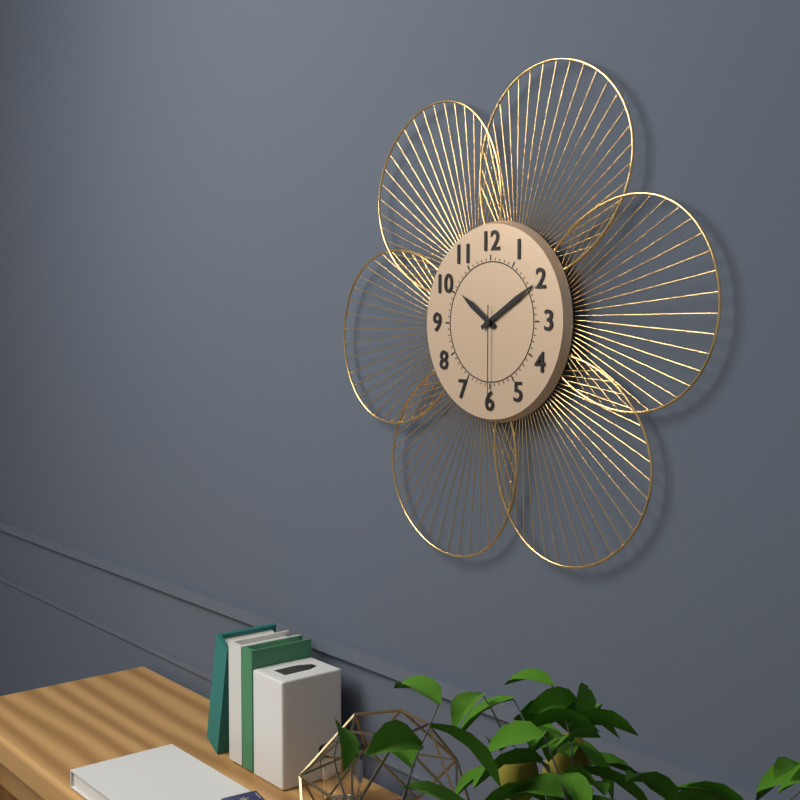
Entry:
10 h 10 min 30 s
